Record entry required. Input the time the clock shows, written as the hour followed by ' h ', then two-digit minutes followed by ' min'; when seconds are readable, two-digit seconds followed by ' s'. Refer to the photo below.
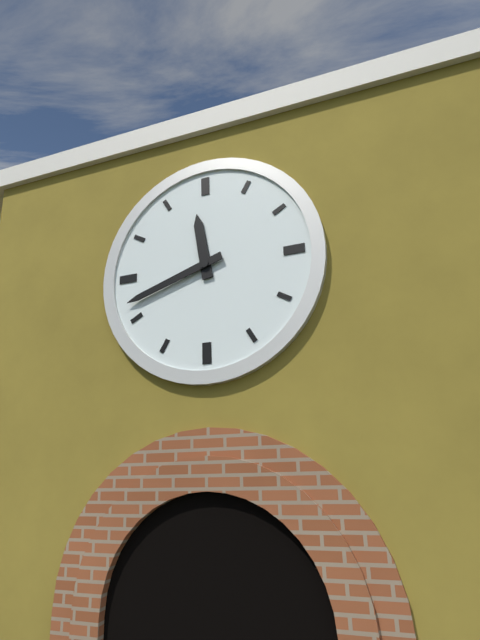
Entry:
11 h 42 min
